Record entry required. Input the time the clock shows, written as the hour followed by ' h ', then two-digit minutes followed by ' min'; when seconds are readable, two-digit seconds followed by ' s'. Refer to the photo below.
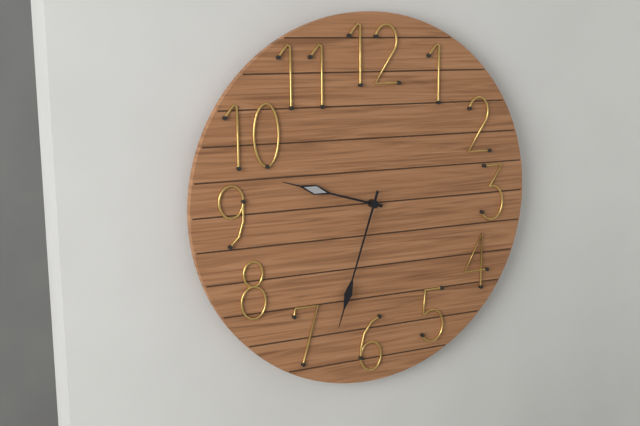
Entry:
9 h 33 min
